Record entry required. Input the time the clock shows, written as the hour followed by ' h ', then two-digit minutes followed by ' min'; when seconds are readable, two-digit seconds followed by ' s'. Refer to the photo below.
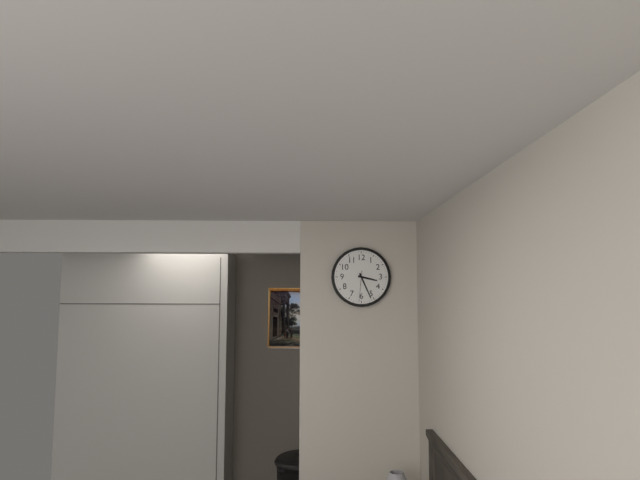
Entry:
3 h 26 min
